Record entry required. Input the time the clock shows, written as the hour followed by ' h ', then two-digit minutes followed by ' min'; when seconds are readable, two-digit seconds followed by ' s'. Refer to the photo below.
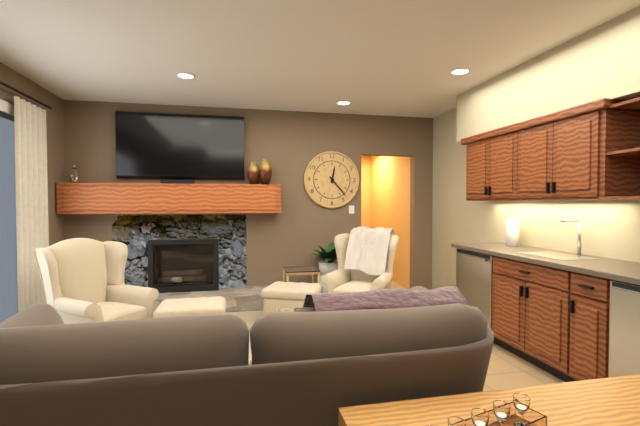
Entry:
12 h 23 min
